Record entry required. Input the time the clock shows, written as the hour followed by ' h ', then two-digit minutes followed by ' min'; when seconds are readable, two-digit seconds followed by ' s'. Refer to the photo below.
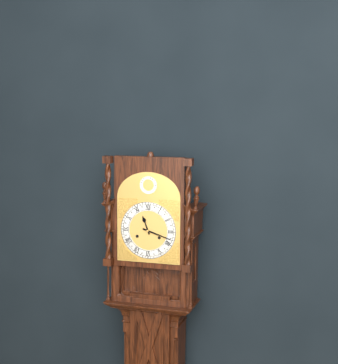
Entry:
11 h 18 min
